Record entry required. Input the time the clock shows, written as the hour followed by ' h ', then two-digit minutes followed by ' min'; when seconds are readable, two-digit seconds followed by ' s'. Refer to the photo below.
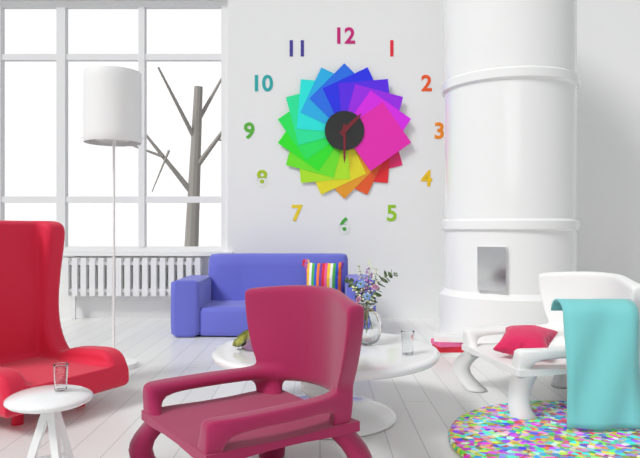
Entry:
1 h 30 min
